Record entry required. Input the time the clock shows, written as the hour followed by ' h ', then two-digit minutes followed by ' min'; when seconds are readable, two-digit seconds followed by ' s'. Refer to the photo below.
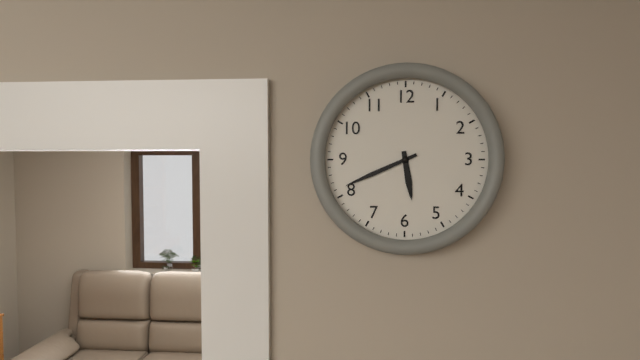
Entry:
5 h 41 min
